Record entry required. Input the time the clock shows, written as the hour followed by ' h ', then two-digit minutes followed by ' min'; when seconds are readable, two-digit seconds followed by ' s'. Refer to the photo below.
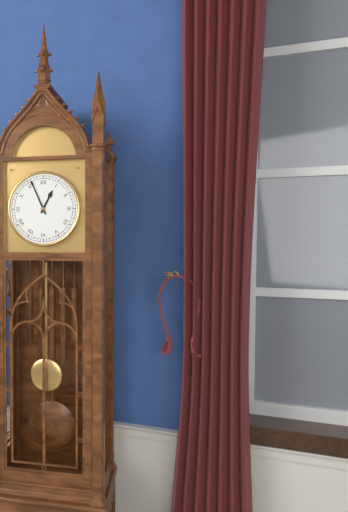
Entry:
12 h 56 min
